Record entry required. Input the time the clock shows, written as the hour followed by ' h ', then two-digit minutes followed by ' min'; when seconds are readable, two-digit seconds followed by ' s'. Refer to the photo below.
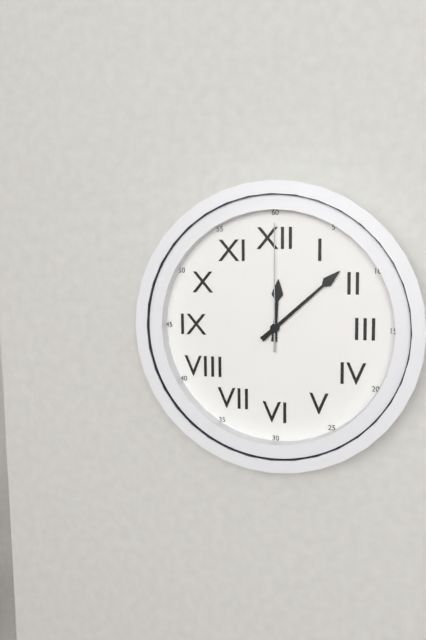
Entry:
12 h 08 min 00 s
